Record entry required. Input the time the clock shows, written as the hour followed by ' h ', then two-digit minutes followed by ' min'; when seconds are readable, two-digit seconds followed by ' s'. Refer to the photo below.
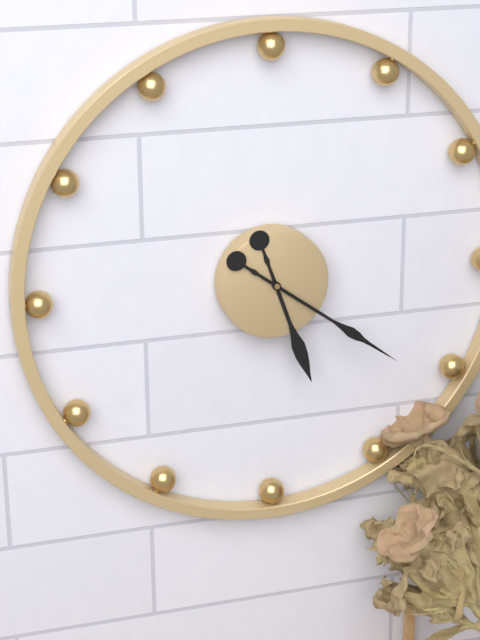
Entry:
5 h 21 min
